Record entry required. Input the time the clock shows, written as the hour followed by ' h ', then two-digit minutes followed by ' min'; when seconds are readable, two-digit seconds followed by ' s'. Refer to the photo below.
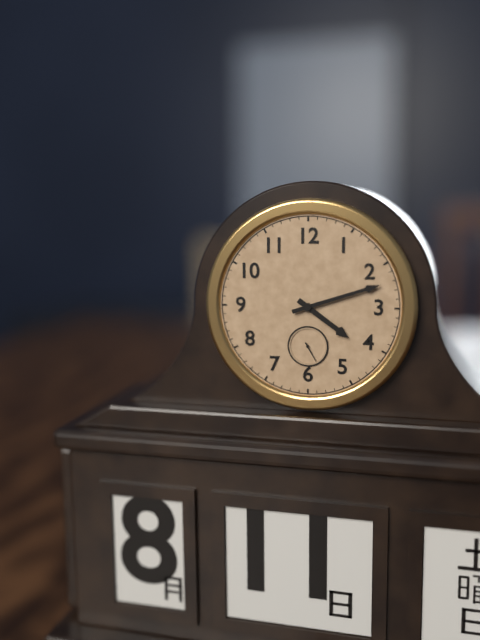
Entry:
4 h 12 min
